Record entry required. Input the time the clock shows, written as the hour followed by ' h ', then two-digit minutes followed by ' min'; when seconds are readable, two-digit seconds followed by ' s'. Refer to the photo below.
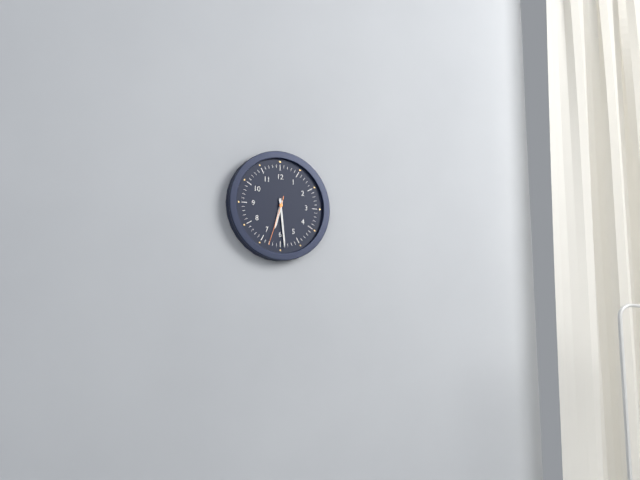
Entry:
6 h 29 min 33 s
